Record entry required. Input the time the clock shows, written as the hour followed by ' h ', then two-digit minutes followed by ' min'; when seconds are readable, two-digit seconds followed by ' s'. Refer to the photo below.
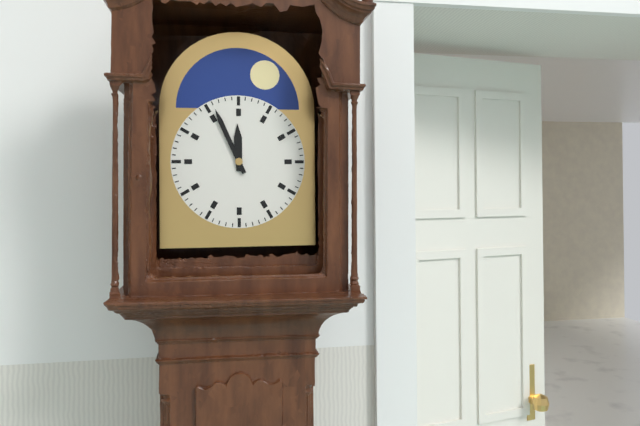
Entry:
11 h 56 min
